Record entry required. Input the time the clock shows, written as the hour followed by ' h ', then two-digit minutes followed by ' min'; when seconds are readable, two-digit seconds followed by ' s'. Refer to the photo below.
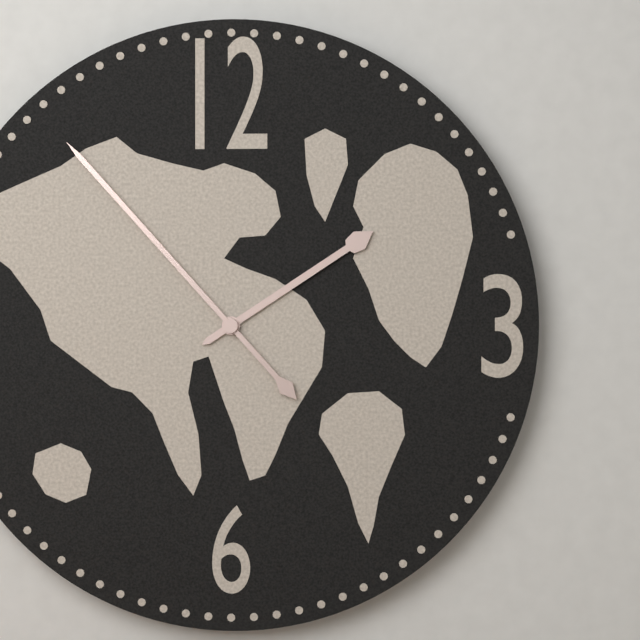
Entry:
1 h 53 min
